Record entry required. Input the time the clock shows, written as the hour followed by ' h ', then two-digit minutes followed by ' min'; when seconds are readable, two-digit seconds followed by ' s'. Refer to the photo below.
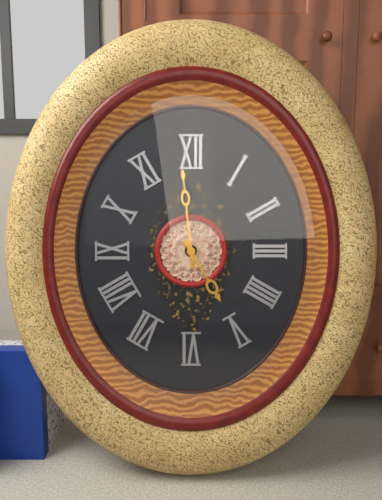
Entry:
4 h 59 min
